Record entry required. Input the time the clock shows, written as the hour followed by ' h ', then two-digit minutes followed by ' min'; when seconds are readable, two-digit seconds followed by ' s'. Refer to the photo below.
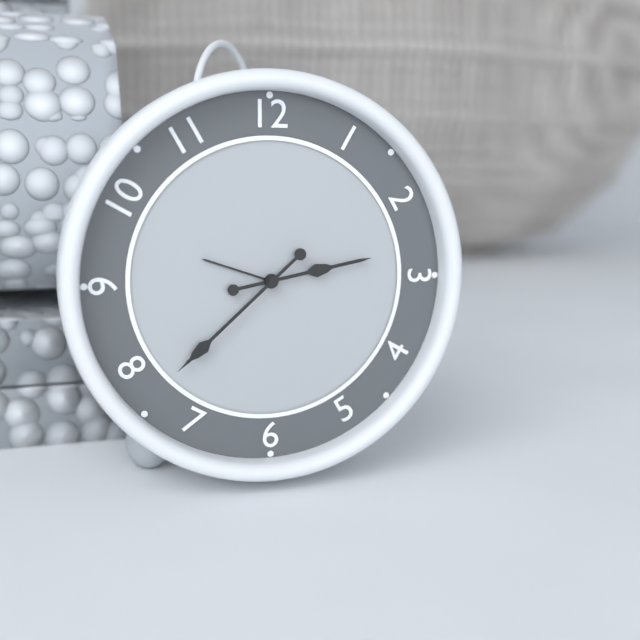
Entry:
2 h 38 min
